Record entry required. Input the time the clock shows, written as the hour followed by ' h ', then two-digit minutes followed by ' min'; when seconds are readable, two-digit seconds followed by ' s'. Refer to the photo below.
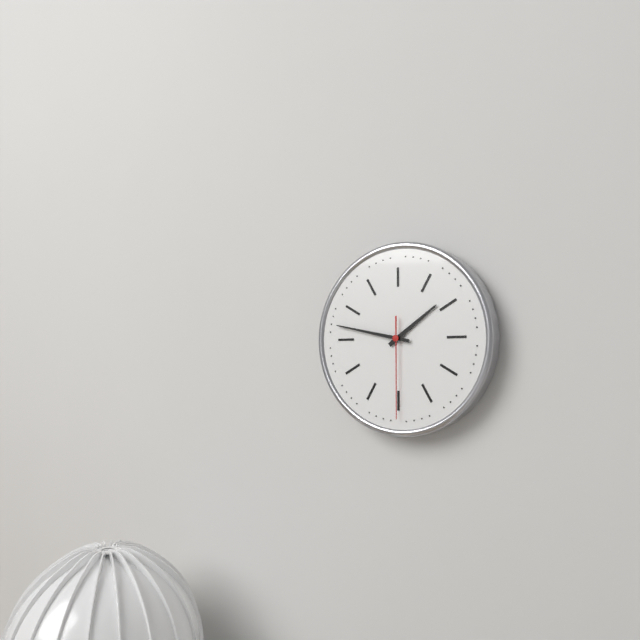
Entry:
1 h 47 min 30 s
